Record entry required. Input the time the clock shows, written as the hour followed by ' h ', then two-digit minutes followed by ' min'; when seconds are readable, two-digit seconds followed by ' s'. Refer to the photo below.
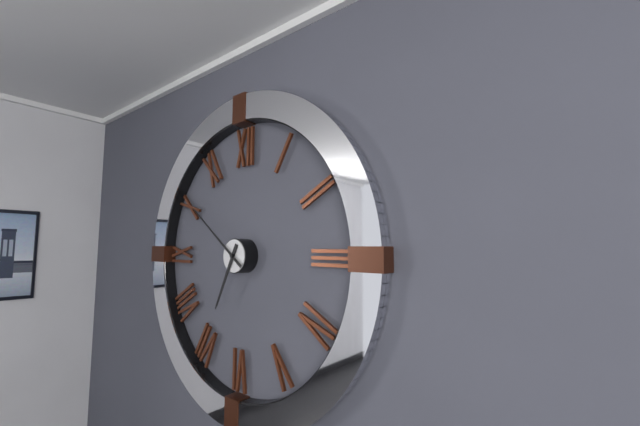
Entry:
6 h 51 min
